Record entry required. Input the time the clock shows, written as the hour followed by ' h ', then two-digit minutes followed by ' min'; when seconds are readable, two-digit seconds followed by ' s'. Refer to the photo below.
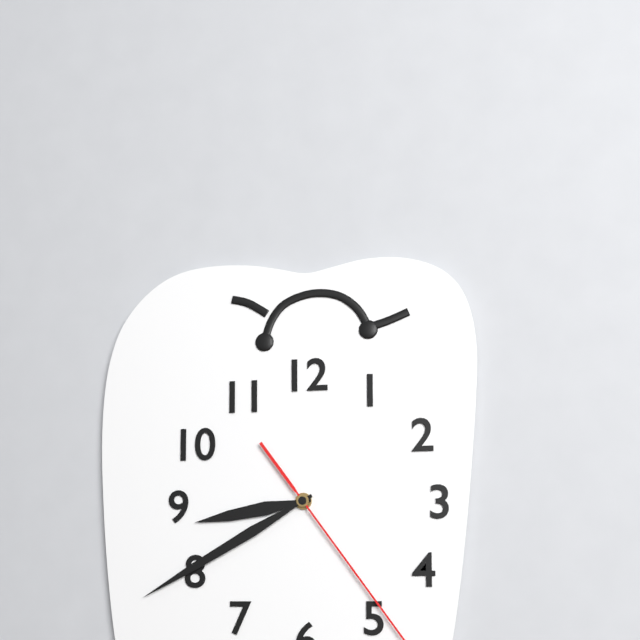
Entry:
8 h 40 min
